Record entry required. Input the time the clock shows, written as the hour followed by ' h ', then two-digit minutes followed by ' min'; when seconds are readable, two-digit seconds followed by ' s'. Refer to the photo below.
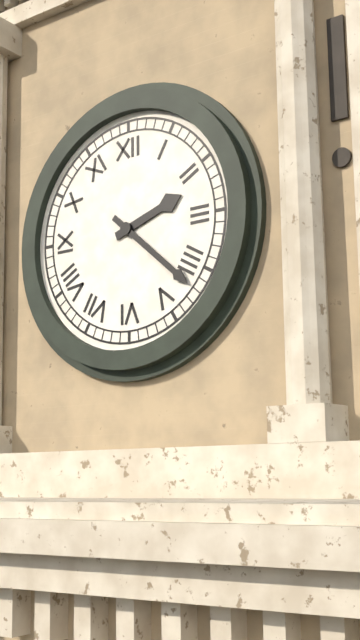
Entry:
2 h 22 min
